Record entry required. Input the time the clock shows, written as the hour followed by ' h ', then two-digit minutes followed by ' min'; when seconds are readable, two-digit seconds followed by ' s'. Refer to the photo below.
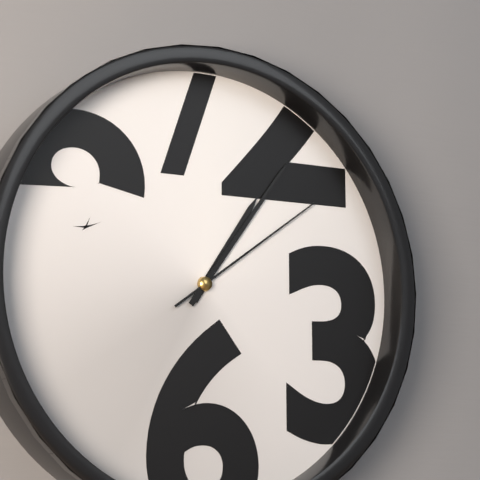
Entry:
1 h 06 min 09 s
